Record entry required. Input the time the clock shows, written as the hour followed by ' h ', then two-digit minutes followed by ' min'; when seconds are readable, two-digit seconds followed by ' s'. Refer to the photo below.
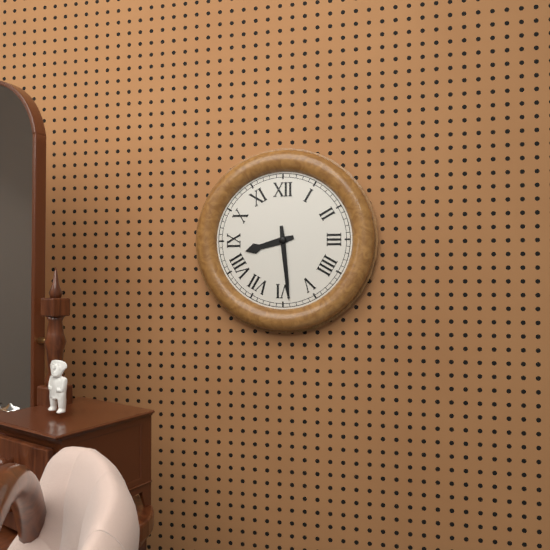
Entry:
8 h 29 min
